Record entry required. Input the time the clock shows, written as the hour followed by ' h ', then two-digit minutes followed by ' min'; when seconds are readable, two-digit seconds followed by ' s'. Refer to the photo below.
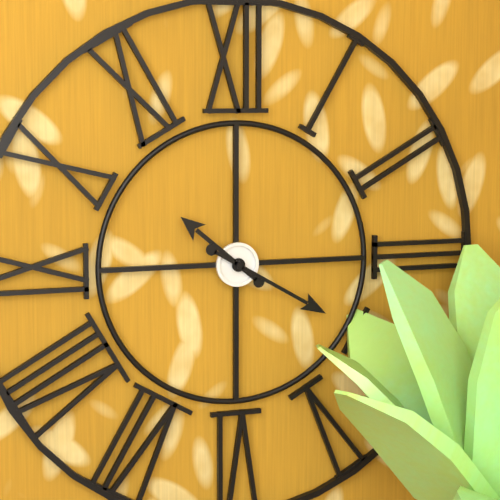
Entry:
10 h 20 min
